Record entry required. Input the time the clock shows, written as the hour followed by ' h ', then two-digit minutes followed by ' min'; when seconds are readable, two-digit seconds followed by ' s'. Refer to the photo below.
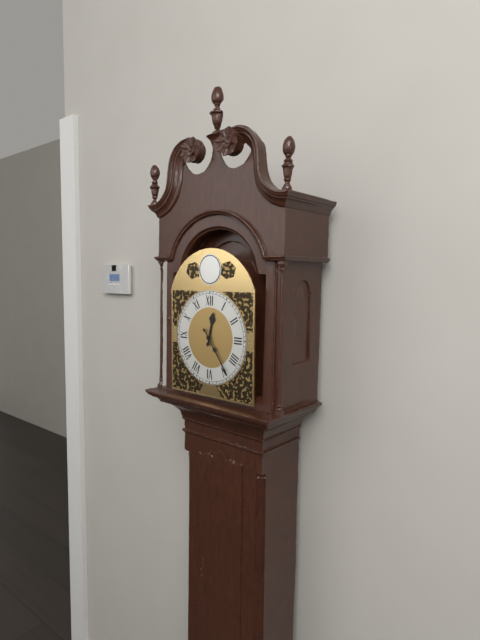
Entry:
12 h 24 min
